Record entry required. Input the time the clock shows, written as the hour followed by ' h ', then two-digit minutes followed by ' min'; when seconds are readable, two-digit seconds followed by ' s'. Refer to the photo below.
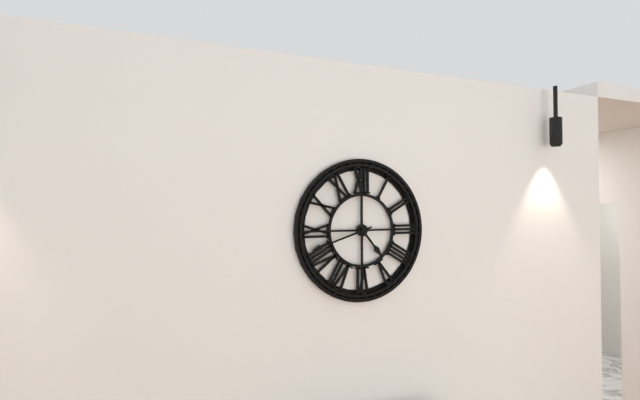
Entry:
4 h 42 min
